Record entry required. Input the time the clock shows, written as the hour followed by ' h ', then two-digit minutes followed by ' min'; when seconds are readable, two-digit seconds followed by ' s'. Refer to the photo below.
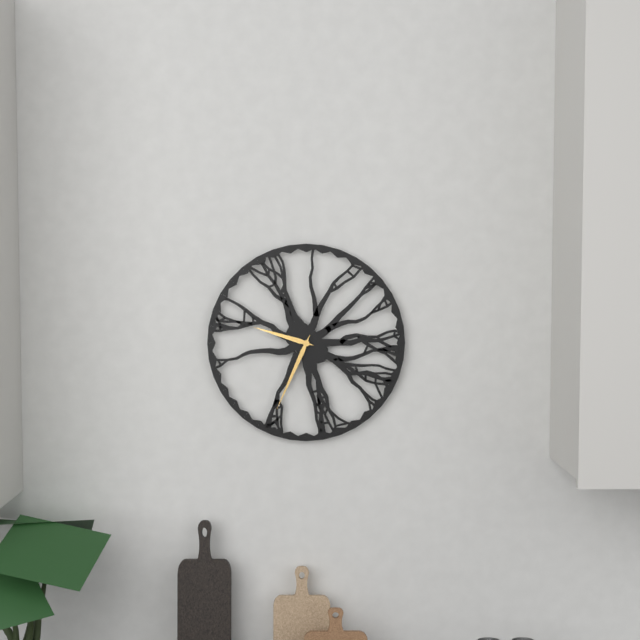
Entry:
9 h 34 min
